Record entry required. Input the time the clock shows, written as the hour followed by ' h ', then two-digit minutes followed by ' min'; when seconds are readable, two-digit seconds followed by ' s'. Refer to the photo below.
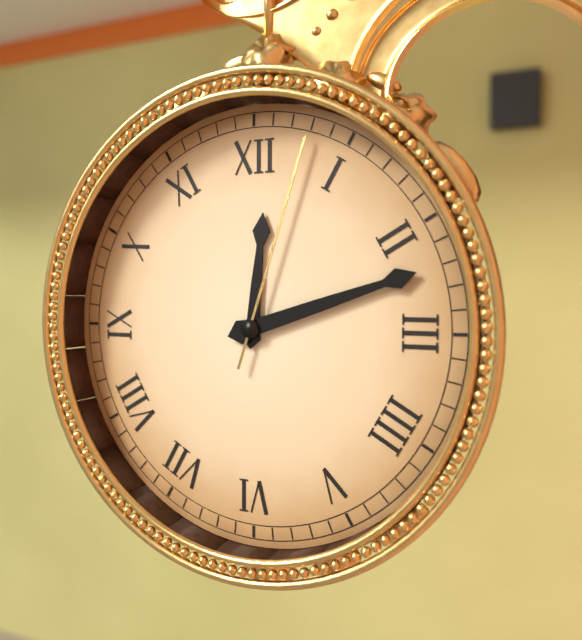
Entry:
12 h 12 min 03 s
